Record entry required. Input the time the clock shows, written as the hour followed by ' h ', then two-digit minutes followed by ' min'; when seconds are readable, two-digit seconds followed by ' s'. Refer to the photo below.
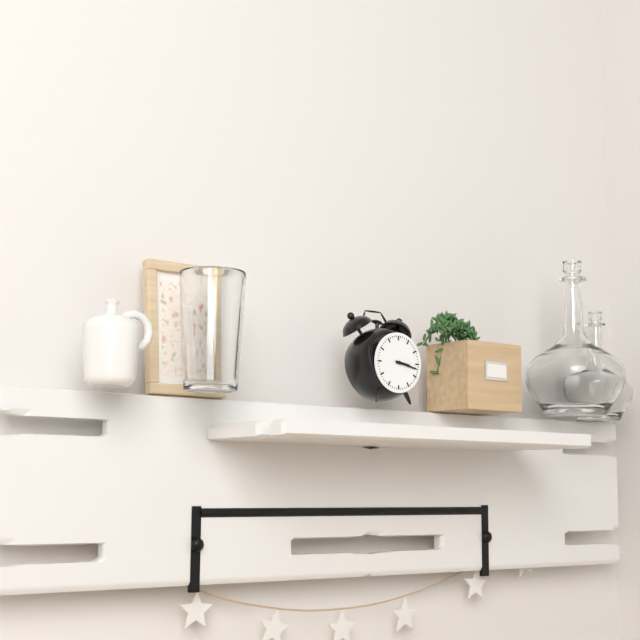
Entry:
3 h 17 min
